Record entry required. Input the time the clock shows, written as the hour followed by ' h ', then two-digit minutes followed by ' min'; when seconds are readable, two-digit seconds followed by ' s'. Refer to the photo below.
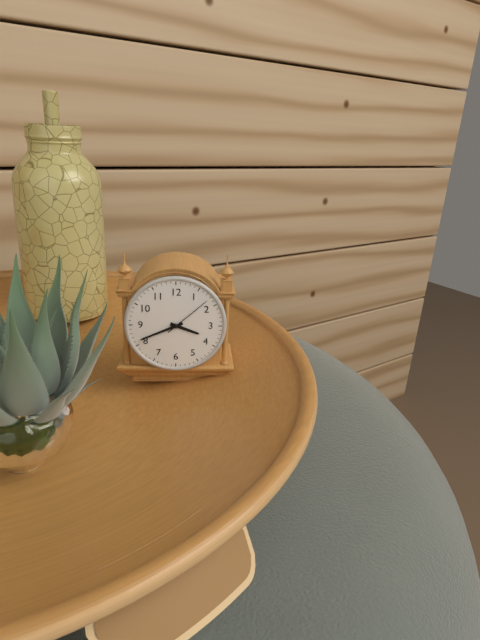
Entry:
3 h 41 min 08 s
